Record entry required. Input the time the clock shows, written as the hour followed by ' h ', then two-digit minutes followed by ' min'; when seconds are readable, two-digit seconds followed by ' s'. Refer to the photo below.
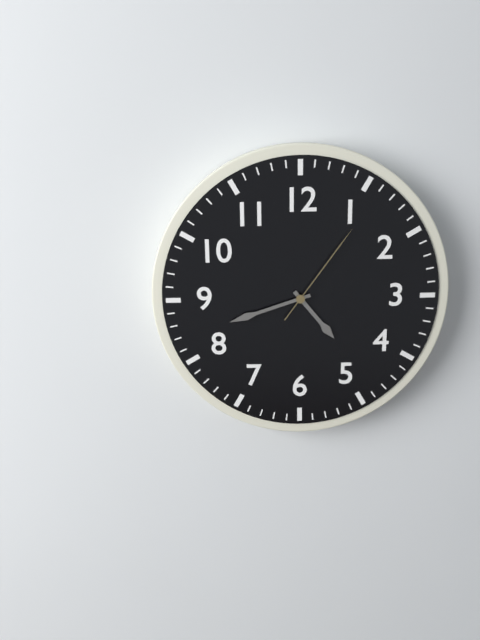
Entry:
4 h 42 min 06 s
